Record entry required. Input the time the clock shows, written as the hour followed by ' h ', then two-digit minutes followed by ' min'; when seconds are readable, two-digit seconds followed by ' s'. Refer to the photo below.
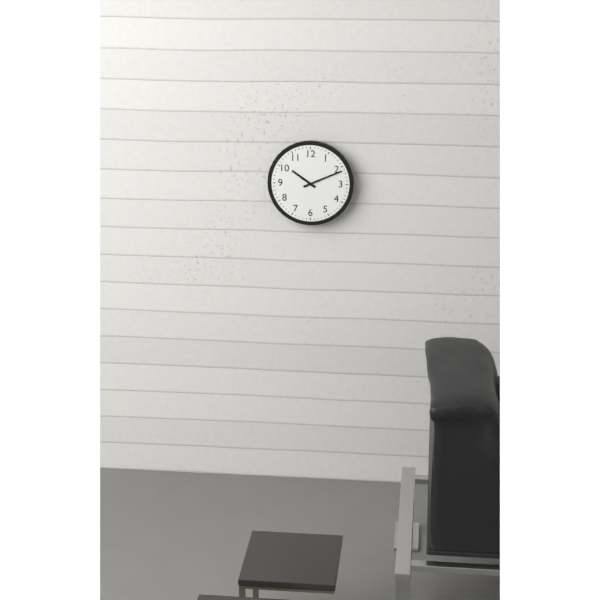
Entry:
10 h 11 min
